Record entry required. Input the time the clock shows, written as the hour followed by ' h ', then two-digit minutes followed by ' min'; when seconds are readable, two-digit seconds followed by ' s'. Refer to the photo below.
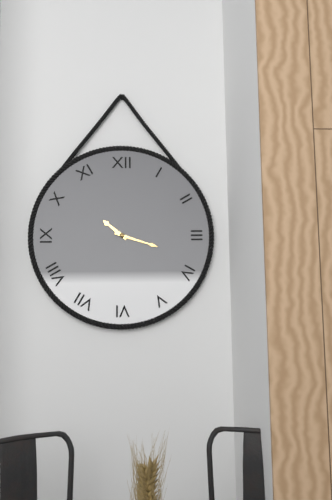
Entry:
10 h 18 min
